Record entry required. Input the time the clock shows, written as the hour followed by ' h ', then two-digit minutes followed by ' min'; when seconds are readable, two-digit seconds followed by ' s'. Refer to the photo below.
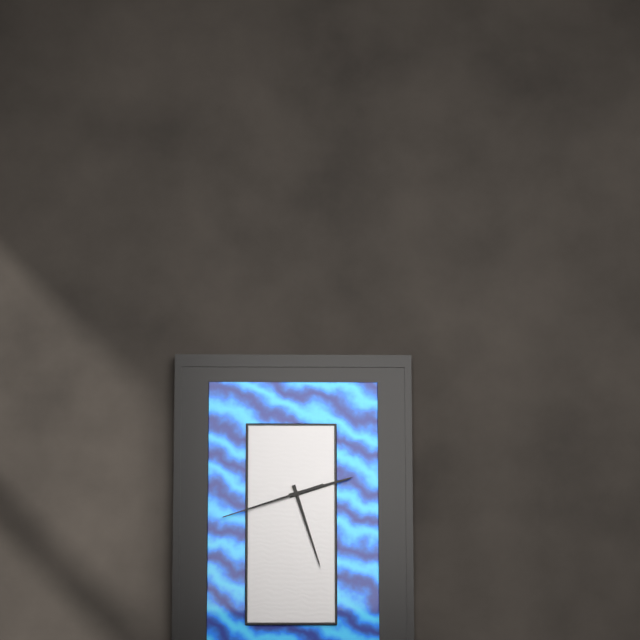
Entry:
2 h 27 min 42 s
